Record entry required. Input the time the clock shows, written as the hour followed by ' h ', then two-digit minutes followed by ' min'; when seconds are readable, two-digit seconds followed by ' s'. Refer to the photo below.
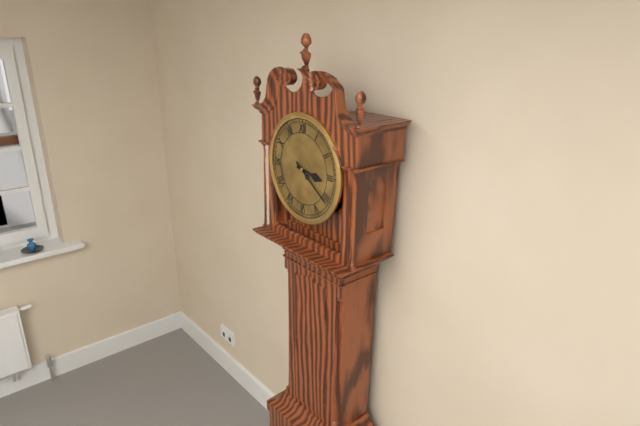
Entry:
3 h 21 min
